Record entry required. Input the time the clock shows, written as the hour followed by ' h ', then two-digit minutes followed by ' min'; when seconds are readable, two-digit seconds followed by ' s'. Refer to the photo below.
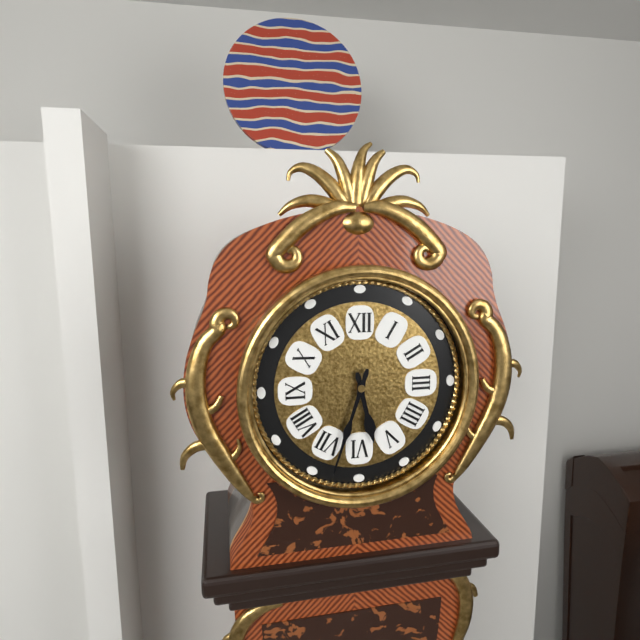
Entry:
5 h 33 min
